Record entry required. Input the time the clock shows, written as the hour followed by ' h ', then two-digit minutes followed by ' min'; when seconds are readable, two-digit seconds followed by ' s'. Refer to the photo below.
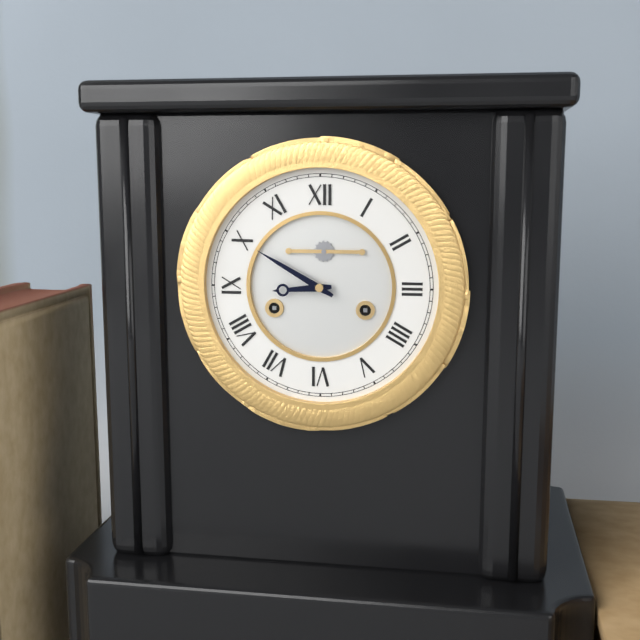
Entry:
8 h 50 min
